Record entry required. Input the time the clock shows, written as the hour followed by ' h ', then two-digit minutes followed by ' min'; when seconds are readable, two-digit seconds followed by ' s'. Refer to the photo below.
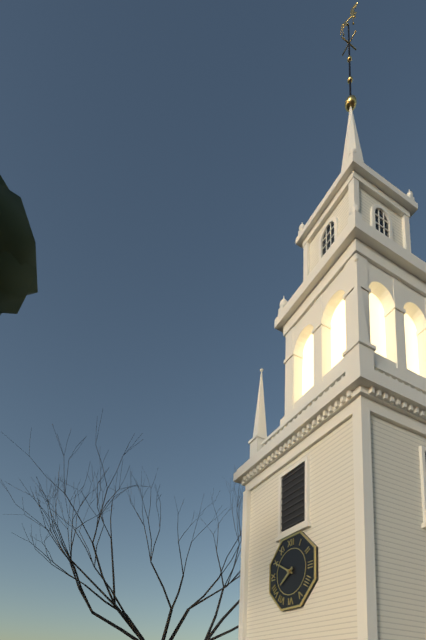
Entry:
7 h 50 min
